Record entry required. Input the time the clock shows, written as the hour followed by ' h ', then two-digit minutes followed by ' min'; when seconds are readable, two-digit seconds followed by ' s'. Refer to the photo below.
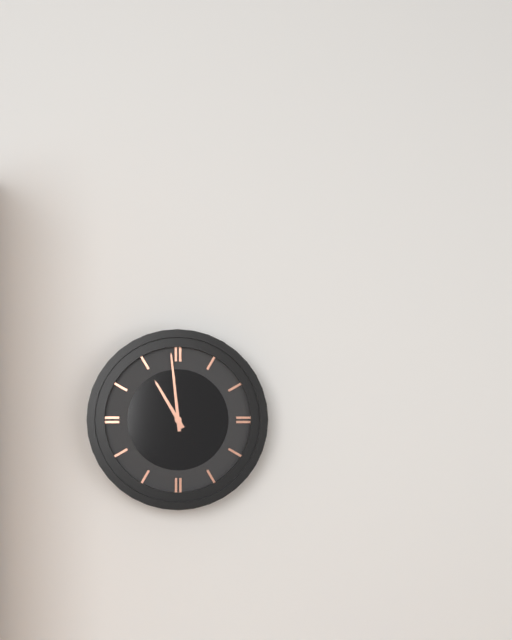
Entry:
10 h 59 min
